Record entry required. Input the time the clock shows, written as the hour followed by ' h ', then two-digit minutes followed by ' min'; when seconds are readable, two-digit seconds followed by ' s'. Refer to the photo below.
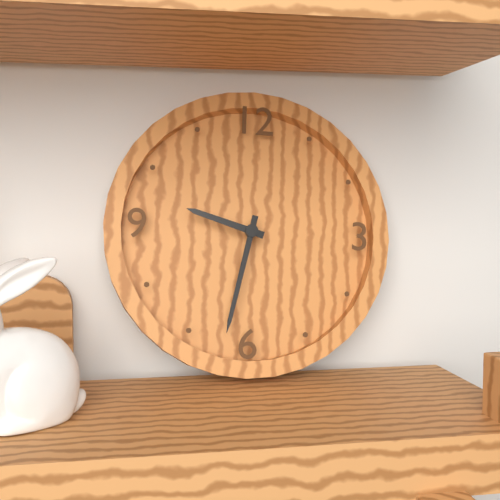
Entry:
9 h 32 min
